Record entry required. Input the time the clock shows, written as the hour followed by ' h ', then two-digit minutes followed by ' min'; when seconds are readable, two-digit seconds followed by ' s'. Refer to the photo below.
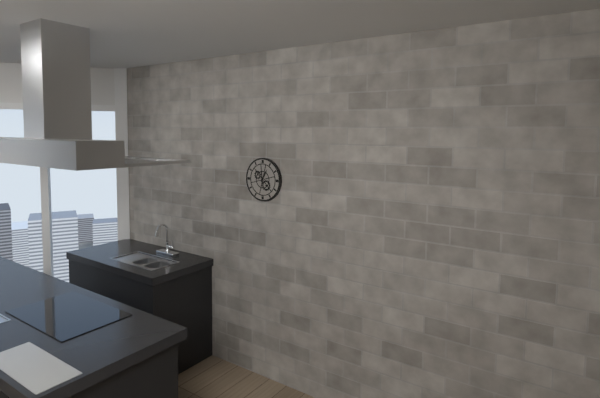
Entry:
12 h 59 min
